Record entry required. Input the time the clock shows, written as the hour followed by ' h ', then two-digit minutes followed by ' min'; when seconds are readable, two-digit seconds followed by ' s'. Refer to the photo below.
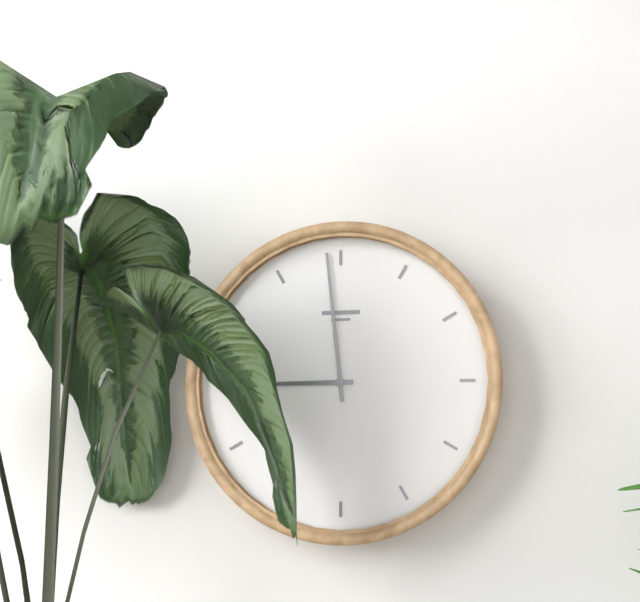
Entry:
8 h 59 min
